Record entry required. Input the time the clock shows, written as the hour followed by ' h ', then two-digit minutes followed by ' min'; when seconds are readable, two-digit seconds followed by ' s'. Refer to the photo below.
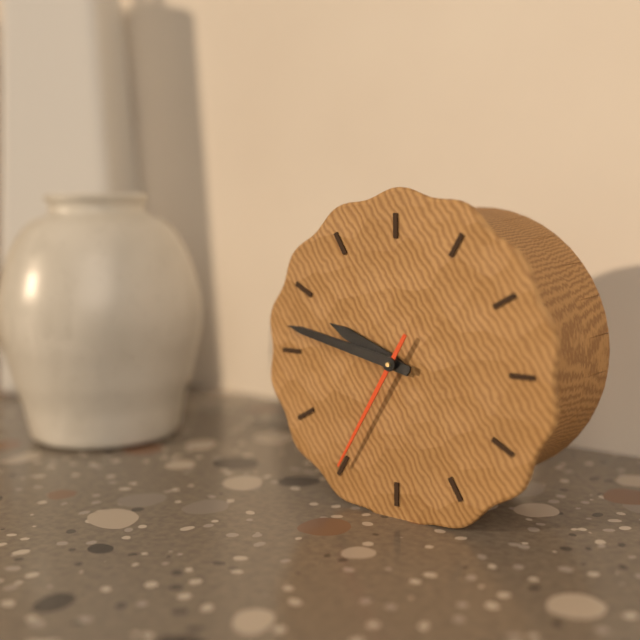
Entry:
9 h 47 min 35 s
